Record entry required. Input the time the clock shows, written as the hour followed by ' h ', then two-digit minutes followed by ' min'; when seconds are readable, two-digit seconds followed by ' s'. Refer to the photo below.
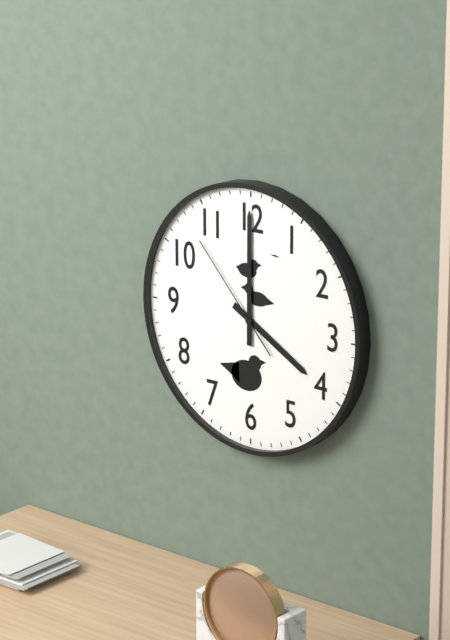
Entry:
4 h 00 min 53 s
